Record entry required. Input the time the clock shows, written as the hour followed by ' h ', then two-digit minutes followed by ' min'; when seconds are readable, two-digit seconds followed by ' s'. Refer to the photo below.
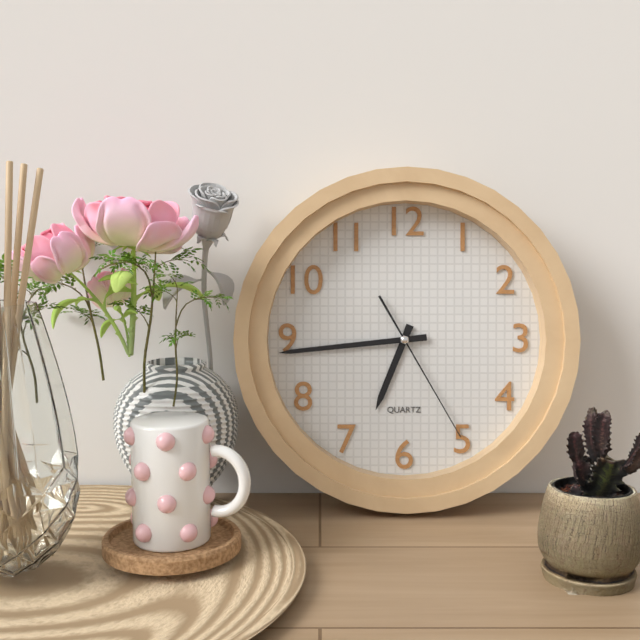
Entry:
6 h 44 min 25 s
